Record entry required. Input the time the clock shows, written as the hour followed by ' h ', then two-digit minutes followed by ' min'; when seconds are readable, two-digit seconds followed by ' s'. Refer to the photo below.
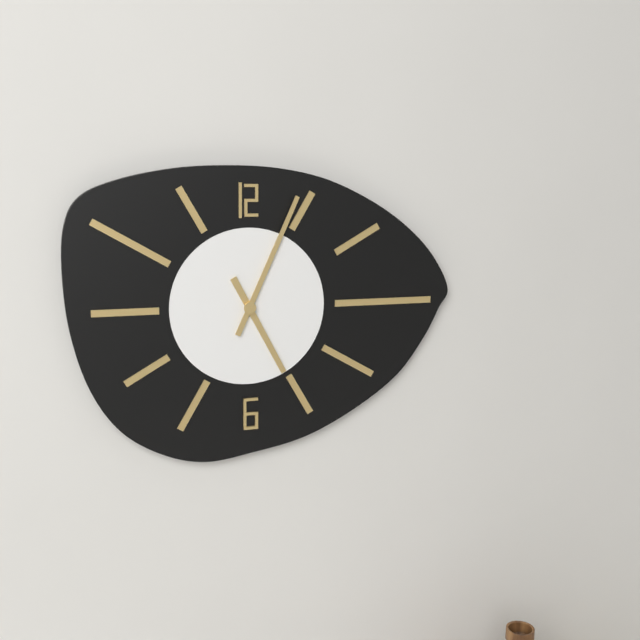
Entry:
5 h 04 min
